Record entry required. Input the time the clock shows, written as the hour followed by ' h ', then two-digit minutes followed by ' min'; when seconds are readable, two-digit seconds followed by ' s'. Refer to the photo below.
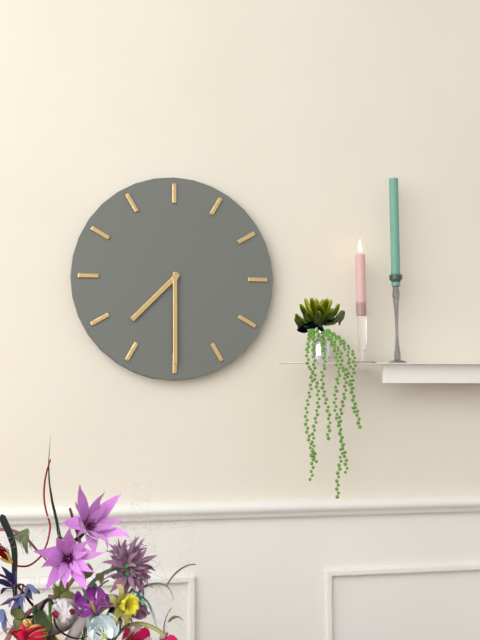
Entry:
7 h 30 min
